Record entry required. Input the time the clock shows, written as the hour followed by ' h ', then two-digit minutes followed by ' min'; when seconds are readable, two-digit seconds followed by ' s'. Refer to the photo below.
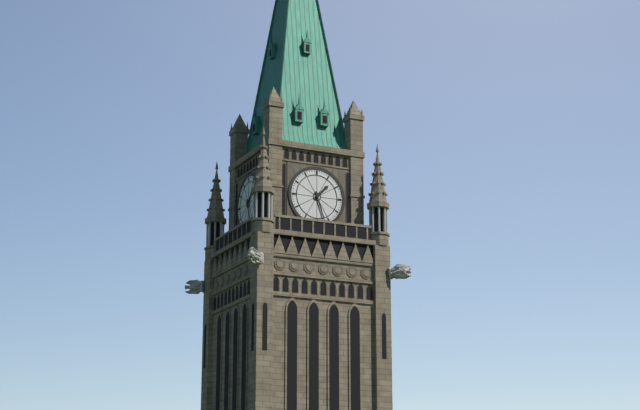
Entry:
1 h 27 min
